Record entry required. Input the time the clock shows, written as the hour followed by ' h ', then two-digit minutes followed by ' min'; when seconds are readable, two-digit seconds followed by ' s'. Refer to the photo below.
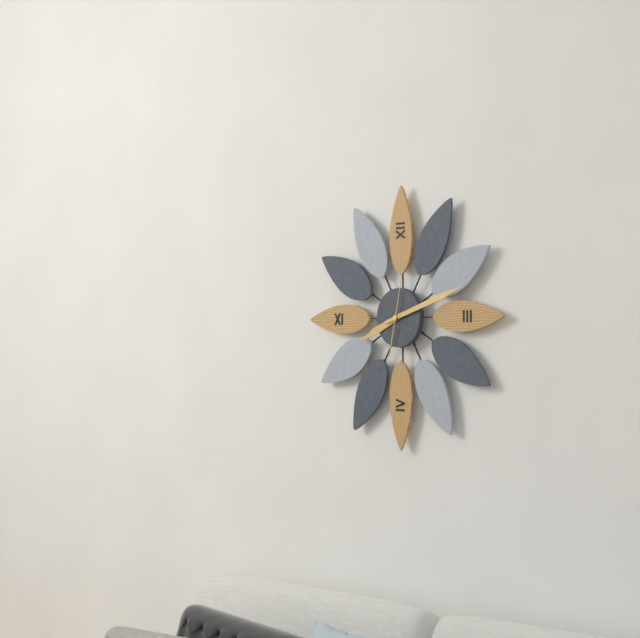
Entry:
8 h 12 min 02 s
